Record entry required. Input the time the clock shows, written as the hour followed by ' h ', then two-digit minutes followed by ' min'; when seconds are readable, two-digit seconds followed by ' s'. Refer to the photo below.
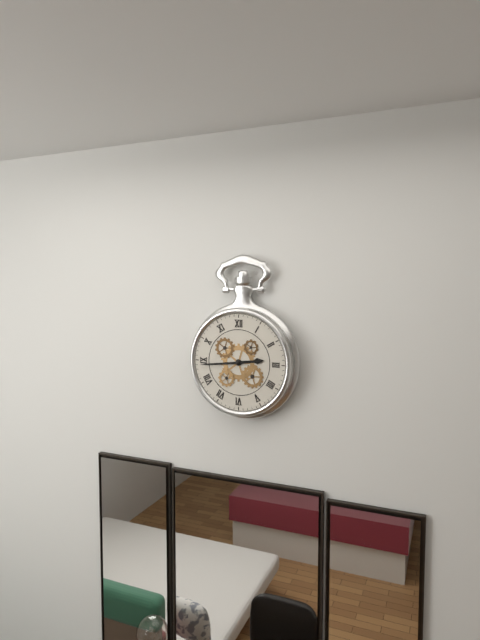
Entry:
2 h 44 min
